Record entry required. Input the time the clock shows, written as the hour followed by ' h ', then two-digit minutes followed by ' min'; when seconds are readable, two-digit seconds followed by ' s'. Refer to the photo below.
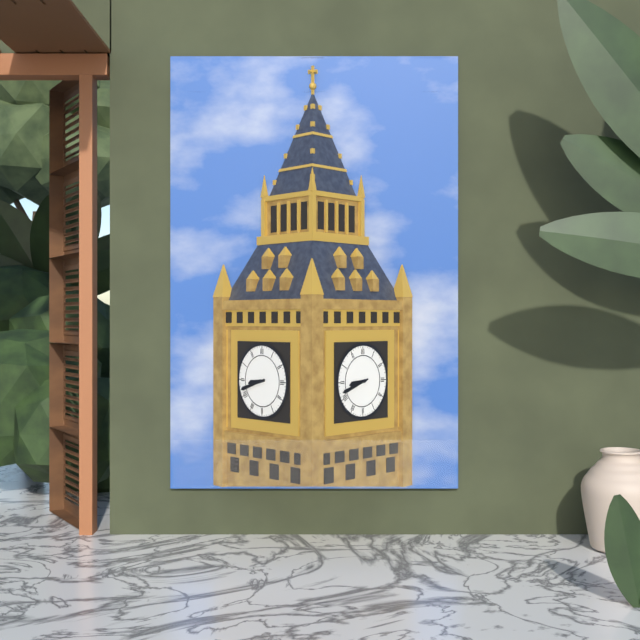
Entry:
8 h 42 min
